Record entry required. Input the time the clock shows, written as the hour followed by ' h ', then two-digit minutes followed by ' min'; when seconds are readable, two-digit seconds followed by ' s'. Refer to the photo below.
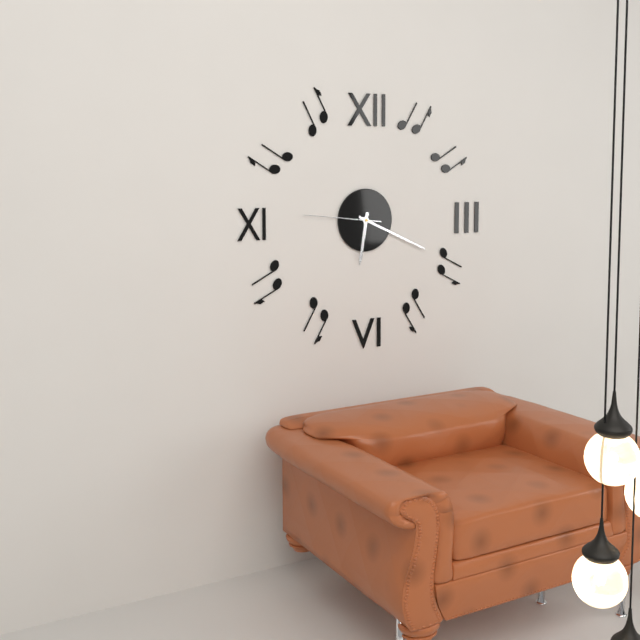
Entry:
6 h 19 min 46 s
